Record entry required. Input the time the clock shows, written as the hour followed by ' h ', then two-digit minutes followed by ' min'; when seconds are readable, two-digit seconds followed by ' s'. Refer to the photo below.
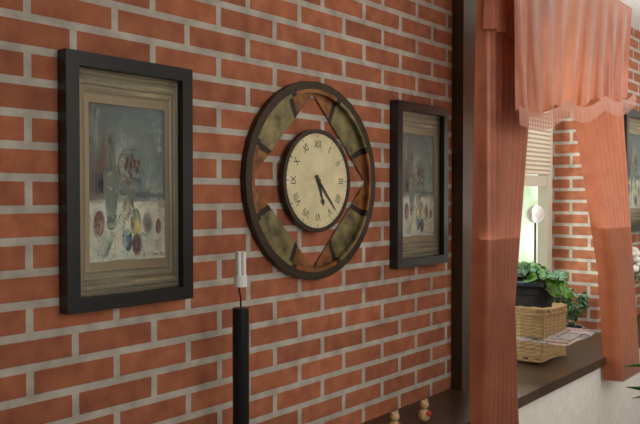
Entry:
5 h 23 min
